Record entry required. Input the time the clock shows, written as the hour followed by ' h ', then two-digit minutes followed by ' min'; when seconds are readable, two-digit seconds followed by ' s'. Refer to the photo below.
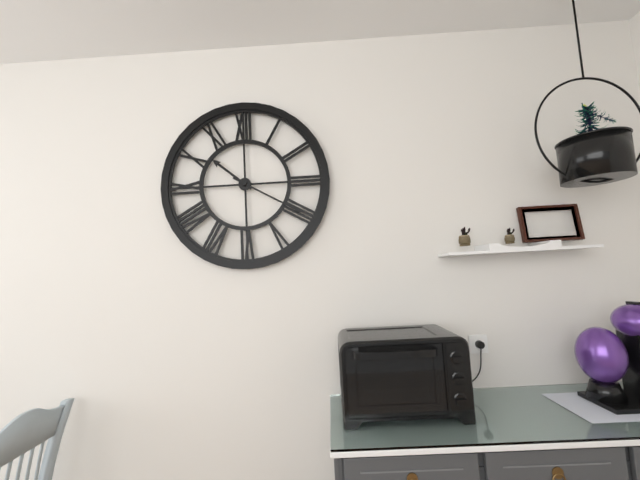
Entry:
10 h 20 min
